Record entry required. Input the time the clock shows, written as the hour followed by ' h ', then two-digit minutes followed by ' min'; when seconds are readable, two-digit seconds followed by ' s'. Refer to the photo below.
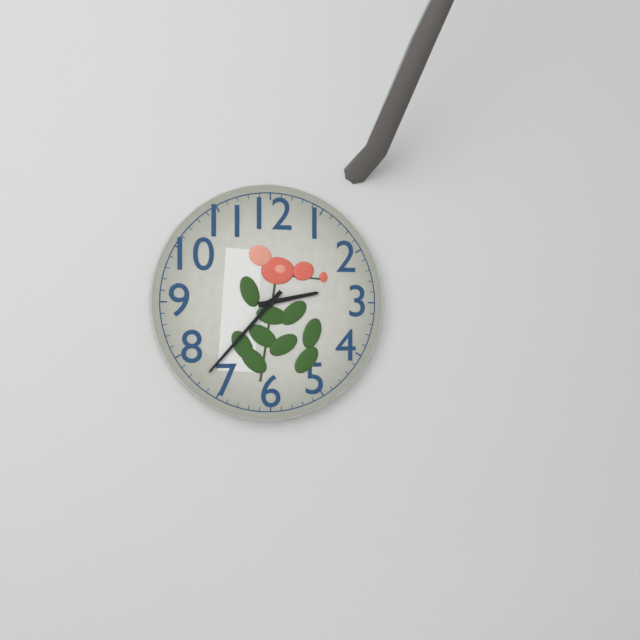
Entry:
2 h 37 min
